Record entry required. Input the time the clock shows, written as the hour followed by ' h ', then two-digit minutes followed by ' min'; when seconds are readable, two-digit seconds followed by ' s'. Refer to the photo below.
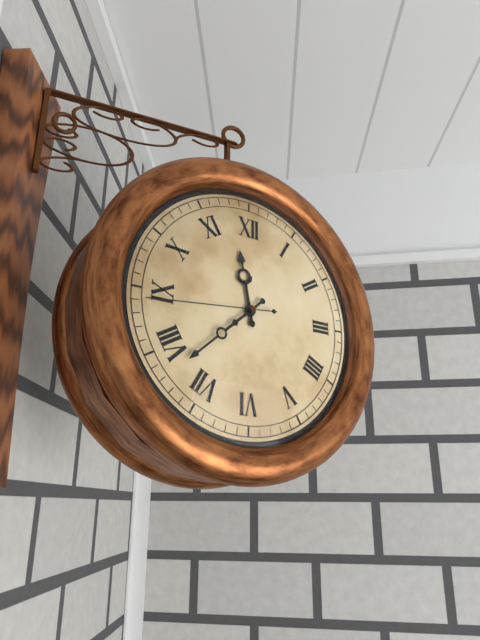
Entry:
11 h 38 min 44 s
